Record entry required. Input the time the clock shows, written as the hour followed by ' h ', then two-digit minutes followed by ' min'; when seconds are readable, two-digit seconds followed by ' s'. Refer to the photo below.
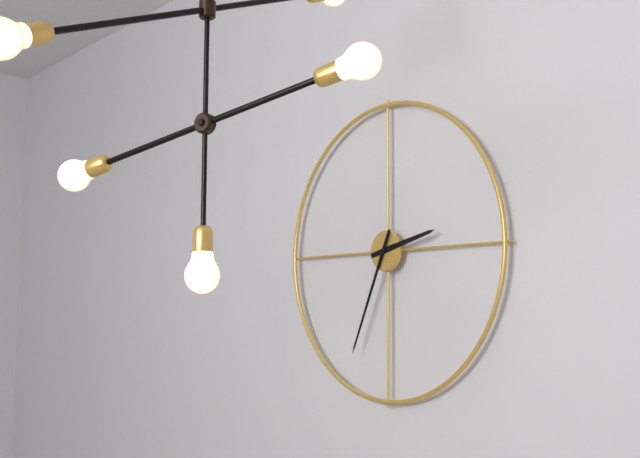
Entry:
2 h 34 min
